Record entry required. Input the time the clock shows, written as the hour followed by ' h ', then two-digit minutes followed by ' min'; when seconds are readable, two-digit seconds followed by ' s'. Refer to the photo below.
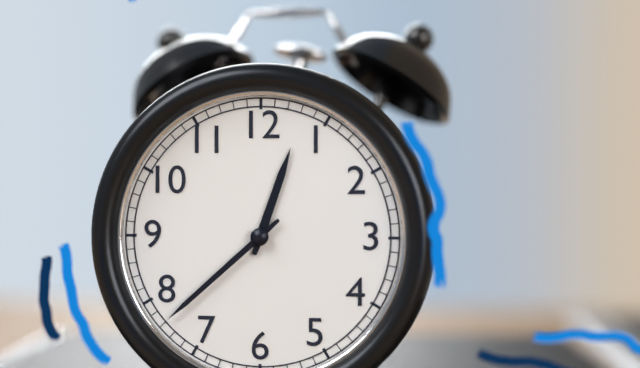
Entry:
12 h 38 min
